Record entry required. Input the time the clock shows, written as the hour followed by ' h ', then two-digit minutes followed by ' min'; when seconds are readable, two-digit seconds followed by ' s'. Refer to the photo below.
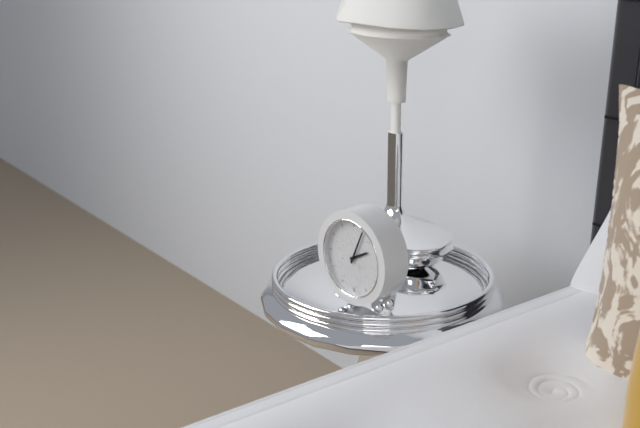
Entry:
2 h 04 min
